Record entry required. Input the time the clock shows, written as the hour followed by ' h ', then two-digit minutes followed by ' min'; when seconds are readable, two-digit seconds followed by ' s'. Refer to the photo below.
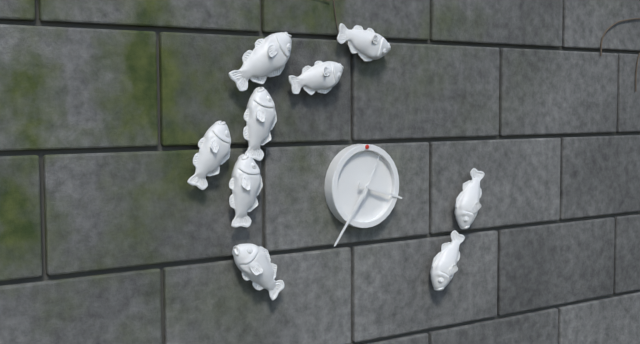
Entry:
3 h 36 min
